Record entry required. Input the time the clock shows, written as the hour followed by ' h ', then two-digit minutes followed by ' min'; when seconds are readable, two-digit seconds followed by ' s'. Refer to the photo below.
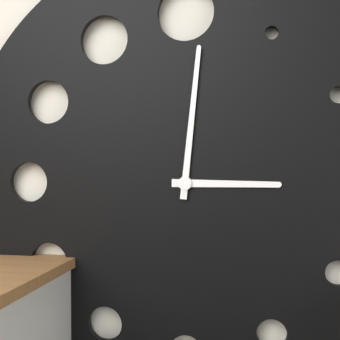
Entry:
3 h 01 min
